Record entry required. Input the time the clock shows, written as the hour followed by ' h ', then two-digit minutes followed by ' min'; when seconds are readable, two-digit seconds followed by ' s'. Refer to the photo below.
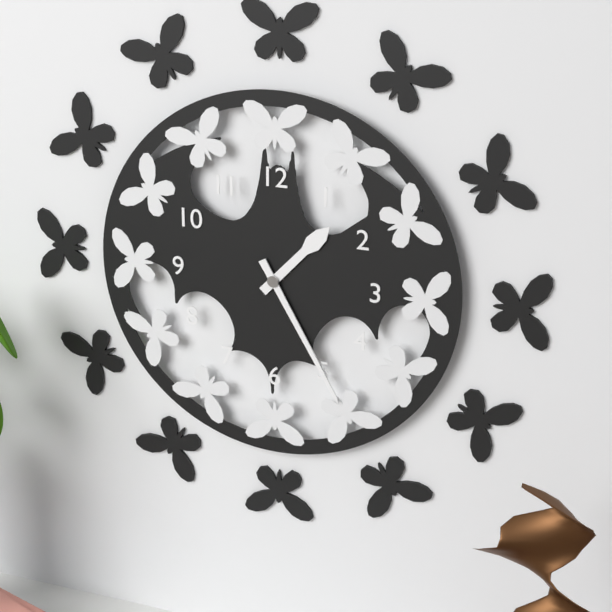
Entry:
1 h 25 min
